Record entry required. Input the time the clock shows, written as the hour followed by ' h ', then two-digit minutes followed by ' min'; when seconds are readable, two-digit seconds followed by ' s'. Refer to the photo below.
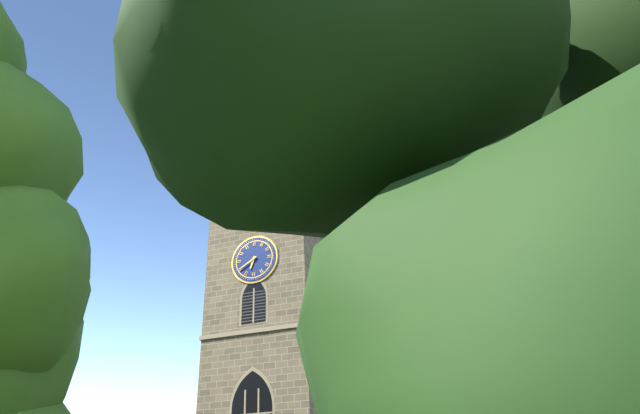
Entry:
6 h 40 min
